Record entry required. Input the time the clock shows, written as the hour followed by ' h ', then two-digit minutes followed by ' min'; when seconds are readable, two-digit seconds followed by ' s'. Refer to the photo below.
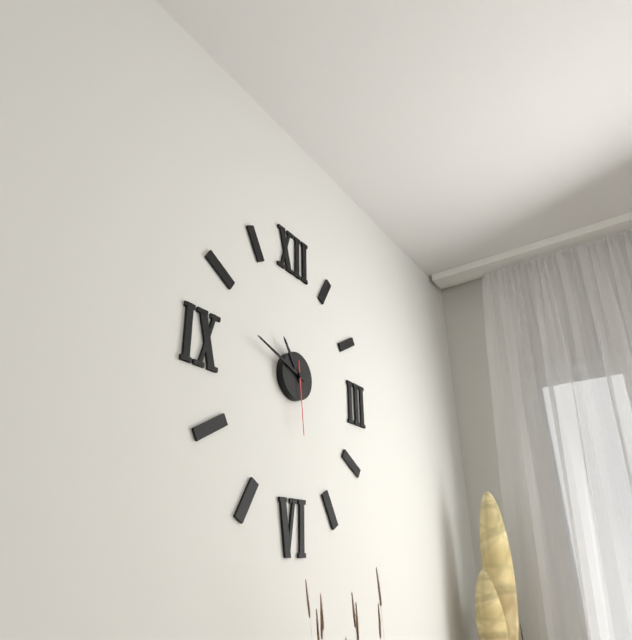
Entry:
10 h 48 min 29 s
